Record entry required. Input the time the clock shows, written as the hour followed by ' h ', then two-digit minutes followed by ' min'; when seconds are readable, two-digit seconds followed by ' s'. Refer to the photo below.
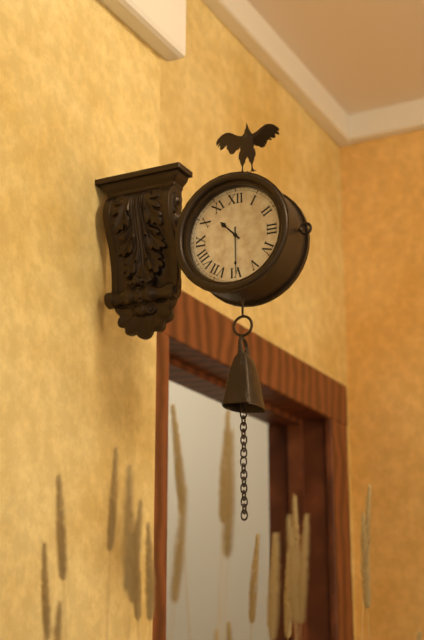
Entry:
10 h 30 min
